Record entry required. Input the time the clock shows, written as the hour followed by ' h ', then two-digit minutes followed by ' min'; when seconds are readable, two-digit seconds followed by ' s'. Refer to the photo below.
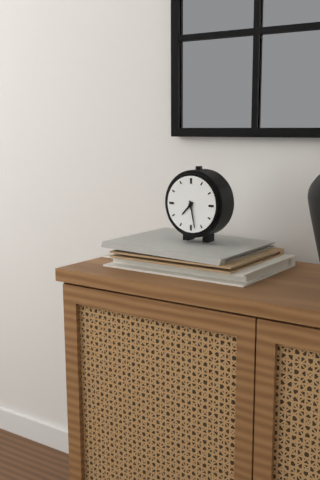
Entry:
7 h 28 min
